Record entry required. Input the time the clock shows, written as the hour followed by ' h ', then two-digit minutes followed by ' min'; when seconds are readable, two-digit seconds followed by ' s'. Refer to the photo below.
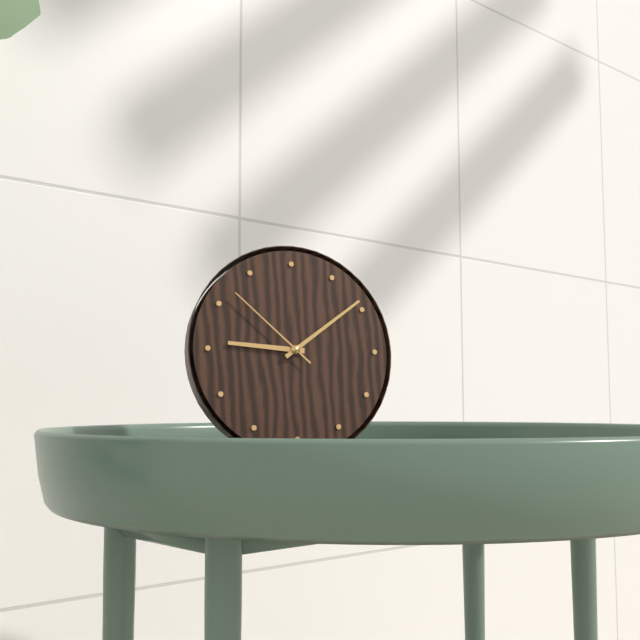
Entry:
9 h 09 min 52 s
